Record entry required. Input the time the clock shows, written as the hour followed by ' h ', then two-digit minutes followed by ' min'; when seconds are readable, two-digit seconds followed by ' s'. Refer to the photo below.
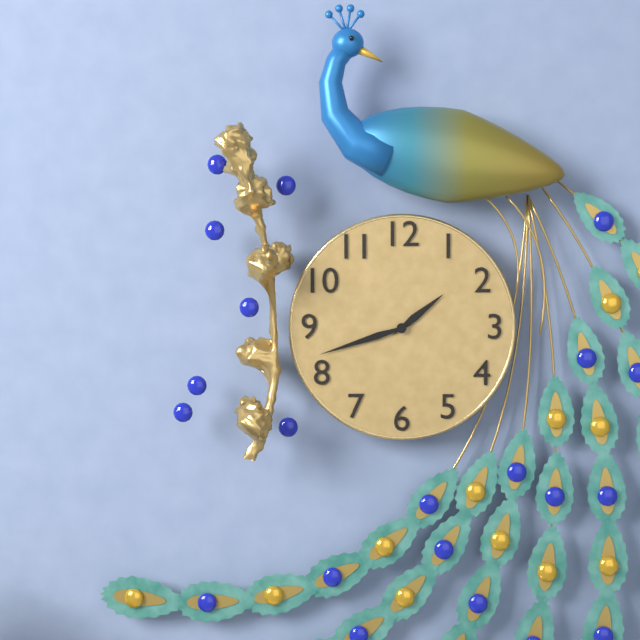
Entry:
1 h 42 min
